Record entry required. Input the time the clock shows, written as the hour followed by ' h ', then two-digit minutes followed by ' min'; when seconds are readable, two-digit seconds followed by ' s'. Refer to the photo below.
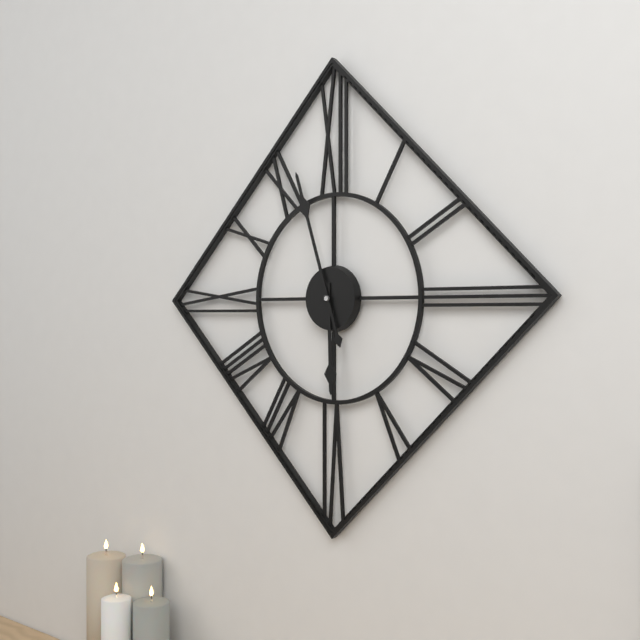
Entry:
5 h 57 min
